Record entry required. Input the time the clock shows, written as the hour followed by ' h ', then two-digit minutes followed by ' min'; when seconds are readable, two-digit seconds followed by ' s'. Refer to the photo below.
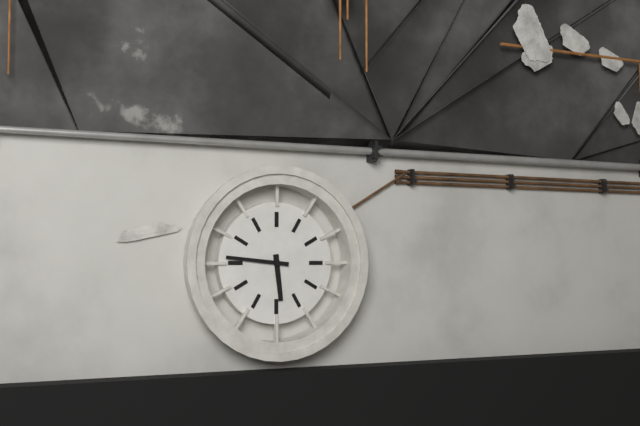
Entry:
5 h 46 min
